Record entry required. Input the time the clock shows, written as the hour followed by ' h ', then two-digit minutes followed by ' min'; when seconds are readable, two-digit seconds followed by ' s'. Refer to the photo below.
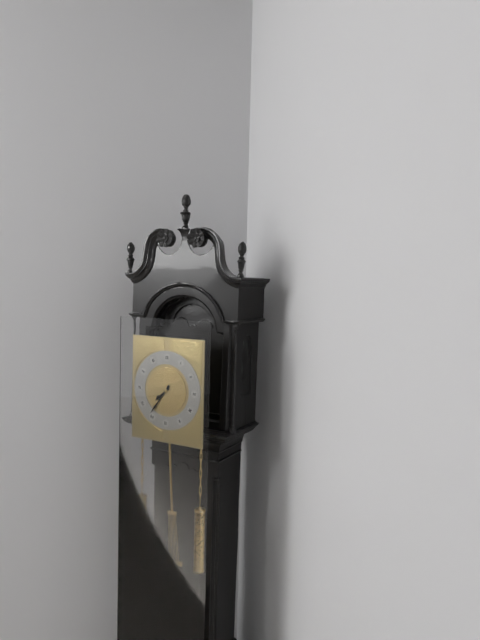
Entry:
7 h 36 min
